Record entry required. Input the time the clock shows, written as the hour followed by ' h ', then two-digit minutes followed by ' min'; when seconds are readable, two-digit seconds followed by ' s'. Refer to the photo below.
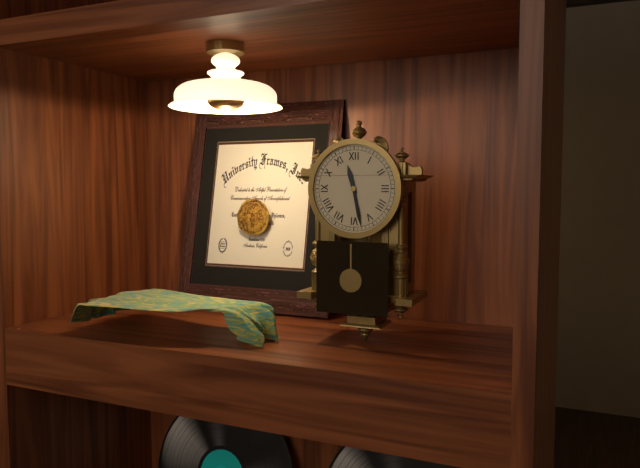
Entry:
11 h 28 min
